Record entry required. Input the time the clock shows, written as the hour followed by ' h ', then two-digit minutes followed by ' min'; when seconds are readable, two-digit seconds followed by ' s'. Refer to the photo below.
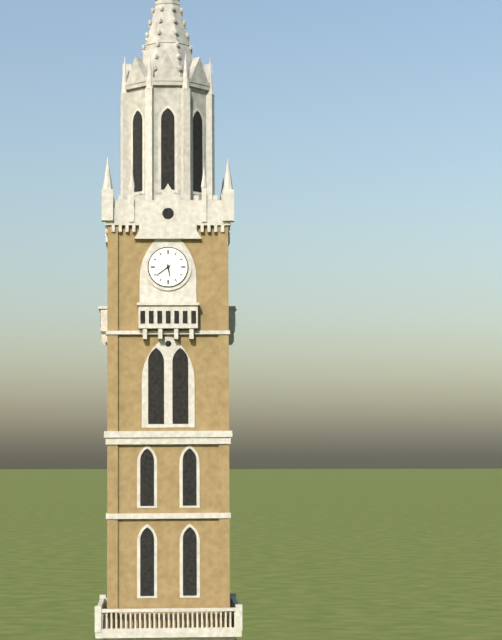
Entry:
5 h 39 min
